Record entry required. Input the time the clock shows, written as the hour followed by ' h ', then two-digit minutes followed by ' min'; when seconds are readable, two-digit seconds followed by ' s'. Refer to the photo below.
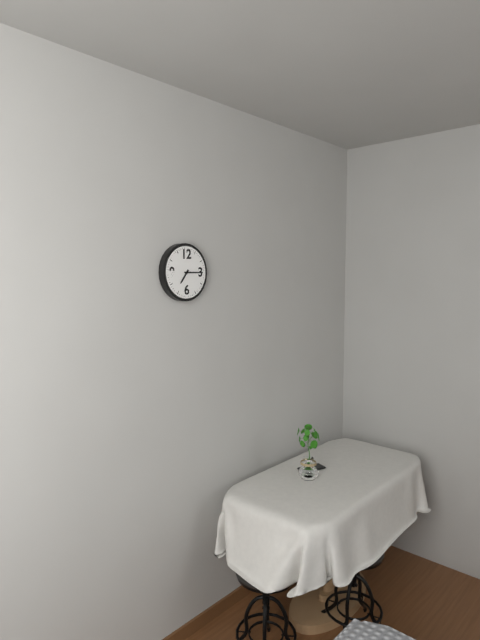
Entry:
7 h 15 min
